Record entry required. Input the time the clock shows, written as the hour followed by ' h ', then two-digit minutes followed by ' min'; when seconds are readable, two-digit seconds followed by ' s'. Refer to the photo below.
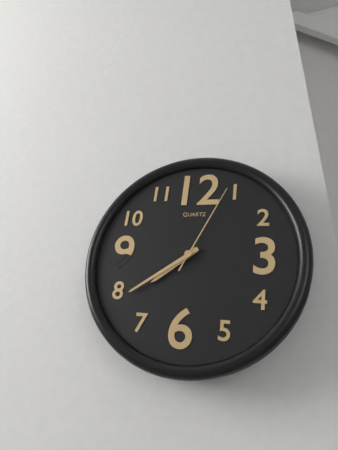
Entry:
7 h 39 min 04 s
